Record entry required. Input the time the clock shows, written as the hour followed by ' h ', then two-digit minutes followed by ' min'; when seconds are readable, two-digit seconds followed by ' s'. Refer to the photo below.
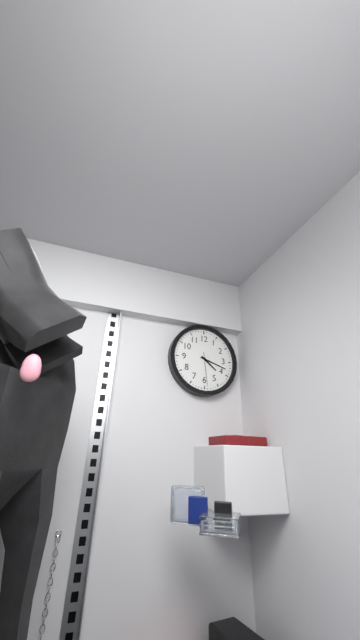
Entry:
4 h 18 min
